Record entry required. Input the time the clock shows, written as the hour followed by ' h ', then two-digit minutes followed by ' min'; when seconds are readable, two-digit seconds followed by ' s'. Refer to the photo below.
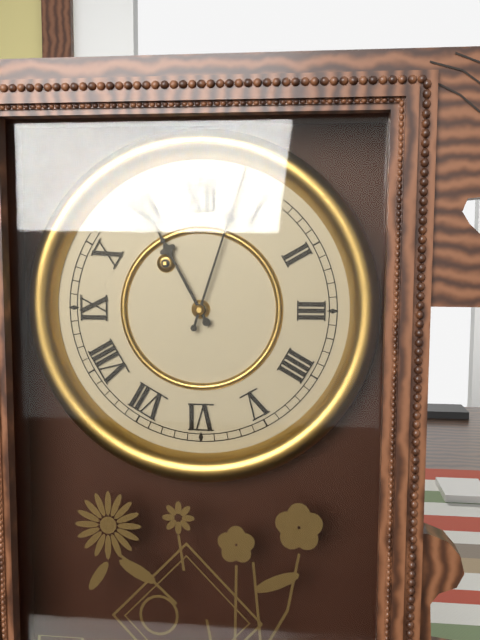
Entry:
11 h 03 min
